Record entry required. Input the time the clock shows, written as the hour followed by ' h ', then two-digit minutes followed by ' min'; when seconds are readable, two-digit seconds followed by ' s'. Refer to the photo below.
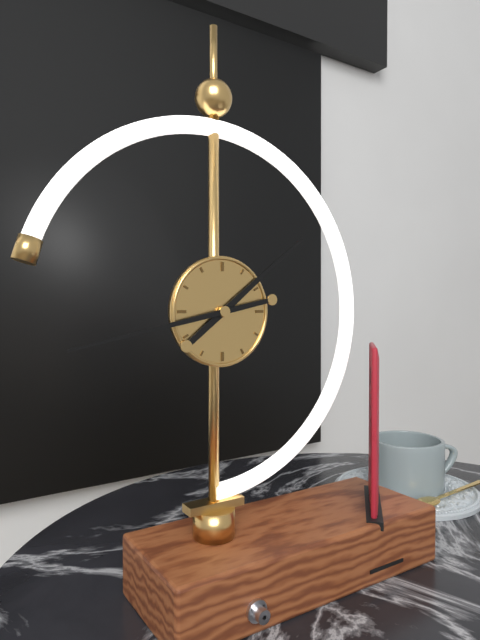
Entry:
1 h 43 min
